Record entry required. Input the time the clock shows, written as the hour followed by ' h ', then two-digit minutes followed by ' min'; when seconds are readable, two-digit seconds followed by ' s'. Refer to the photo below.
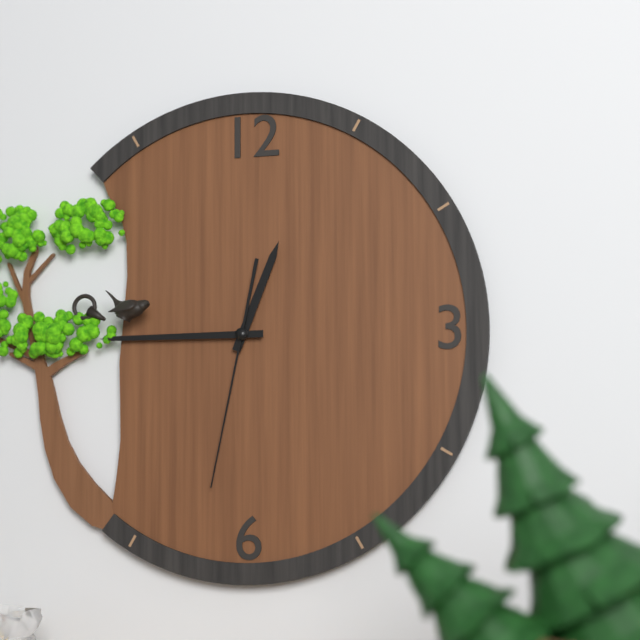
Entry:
12 h 45 min 32 s
